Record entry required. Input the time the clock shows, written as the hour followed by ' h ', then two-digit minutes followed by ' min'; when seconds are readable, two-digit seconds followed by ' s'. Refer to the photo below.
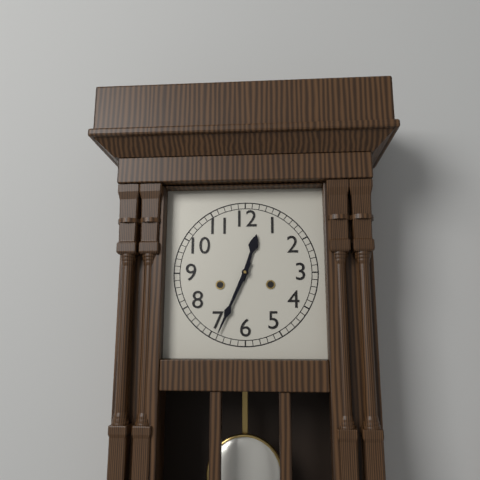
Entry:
12 h 34 min
